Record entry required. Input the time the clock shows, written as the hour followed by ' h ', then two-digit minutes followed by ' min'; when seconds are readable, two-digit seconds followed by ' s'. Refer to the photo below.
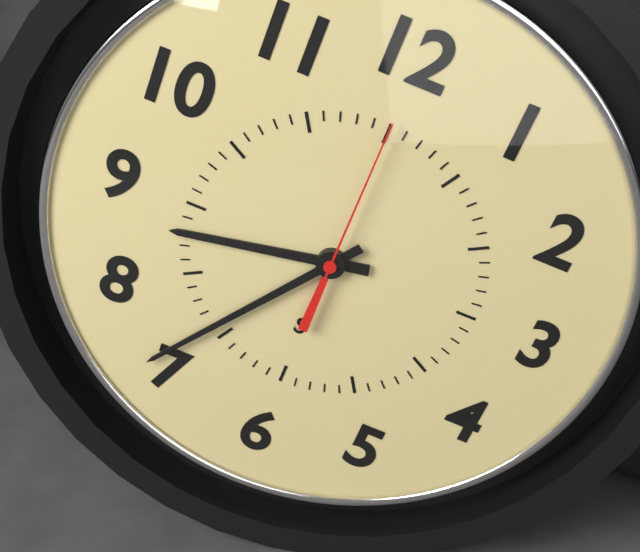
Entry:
8 h 36 min 00 s
